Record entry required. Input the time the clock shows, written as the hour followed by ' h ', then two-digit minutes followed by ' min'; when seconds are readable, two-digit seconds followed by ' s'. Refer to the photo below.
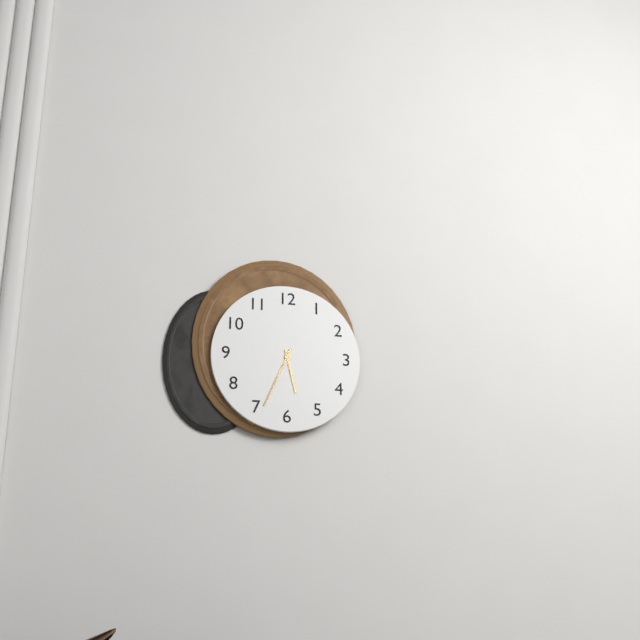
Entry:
5 h 34 min
